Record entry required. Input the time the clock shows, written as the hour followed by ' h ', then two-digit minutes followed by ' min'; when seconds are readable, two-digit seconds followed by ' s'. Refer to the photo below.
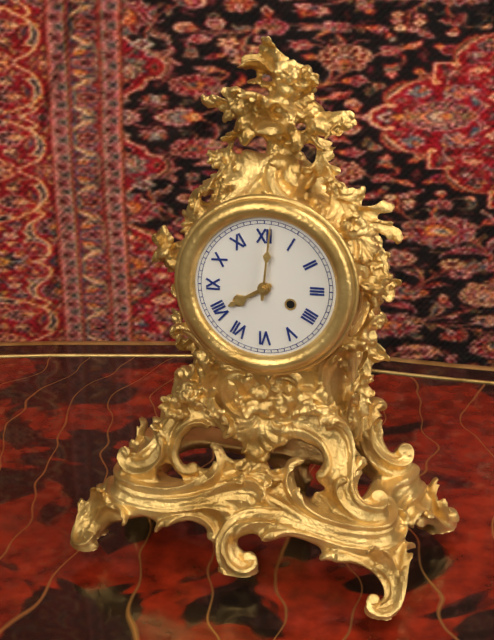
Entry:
8 h 01 min
